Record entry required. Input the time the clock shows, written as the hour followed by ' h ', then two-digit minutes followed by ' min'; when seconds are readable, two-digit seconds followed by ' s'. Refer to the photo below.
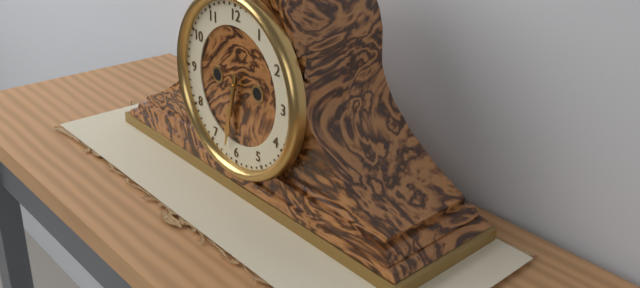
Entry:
6 h 32 min
